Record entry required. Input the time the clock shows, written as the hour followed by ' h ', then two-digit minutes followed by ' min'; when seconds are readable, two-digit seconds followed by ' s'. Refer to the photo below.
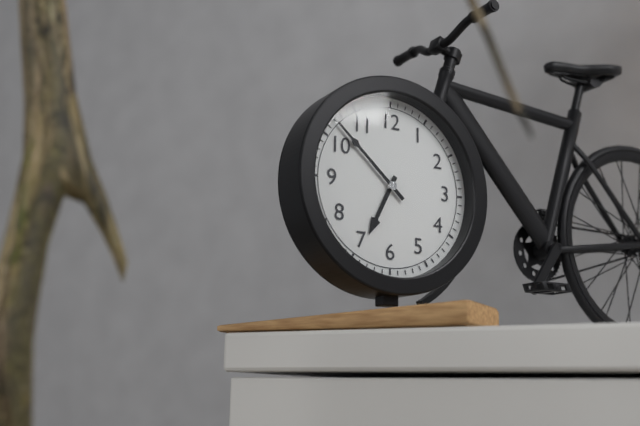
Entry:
6 h 52 min
